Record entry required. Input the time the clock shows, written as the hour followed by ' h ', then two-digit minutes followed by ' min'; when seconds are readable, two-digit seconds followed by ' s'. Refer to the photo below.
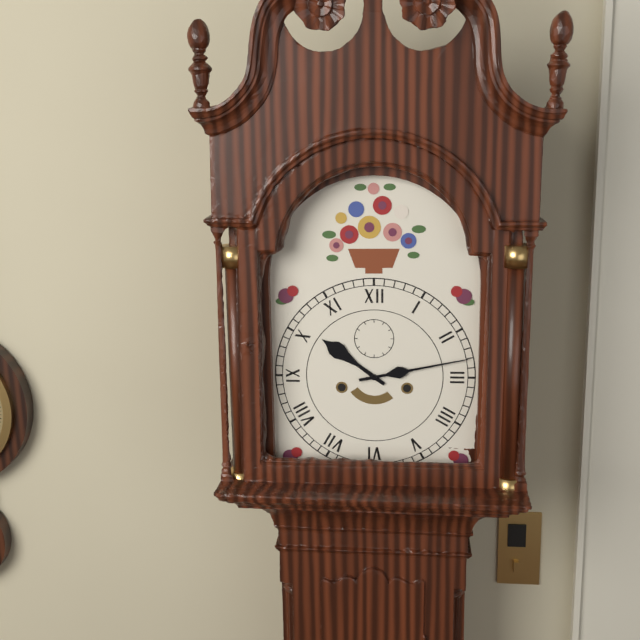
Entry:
10 h 13 min
